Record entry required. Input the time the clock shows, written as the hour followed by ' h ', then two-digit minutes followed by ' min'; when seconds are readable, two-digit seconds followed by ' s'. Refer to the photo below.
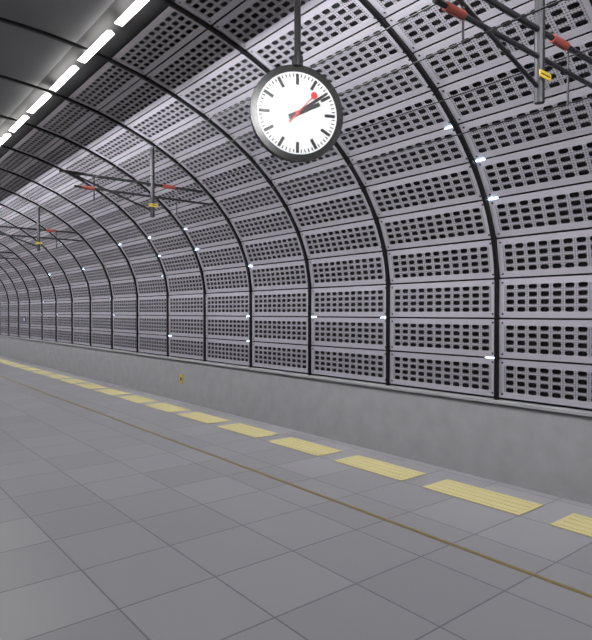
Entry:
2 h 09 min
